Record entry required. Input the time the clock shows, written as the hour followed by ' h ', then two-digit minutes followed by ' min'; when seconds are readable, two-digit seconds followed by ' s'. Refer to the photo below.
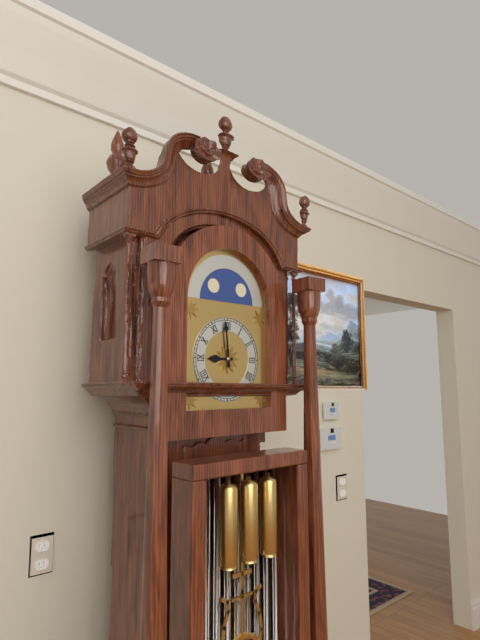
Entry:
8 h 59 min
